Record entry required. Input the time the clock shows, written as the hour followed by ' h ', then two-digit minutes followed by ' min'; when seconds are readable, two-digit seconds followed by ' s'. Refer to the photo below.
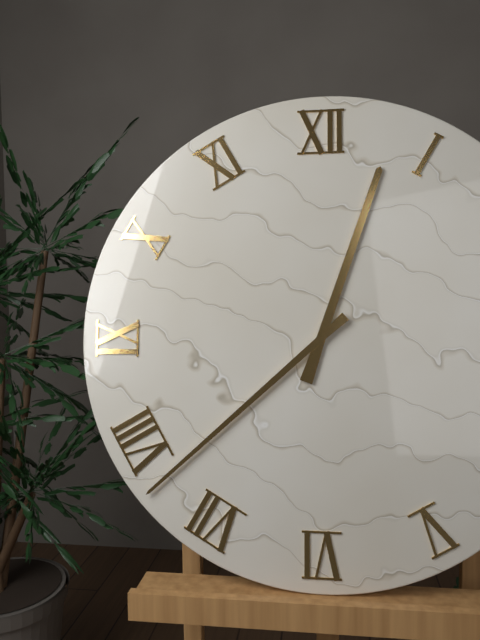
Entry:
12 h 38 min
